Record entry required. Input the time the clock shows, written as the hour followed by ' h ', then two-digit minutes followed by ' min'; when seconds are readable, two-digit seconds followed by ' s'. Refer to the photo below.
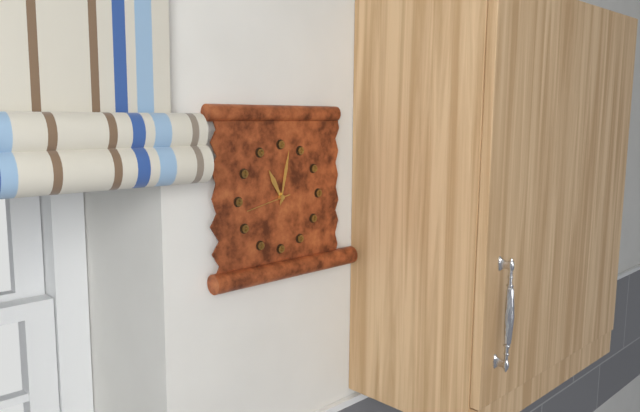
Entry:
11 h 02 min
